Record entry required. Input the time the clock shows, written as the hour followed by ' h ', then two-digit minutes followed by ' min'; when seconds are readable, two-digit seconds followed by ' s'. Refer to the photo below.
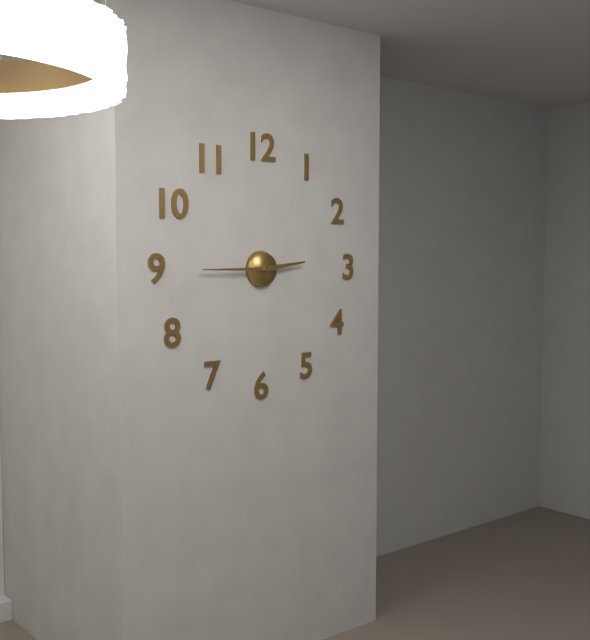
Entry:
2 h 45 min
